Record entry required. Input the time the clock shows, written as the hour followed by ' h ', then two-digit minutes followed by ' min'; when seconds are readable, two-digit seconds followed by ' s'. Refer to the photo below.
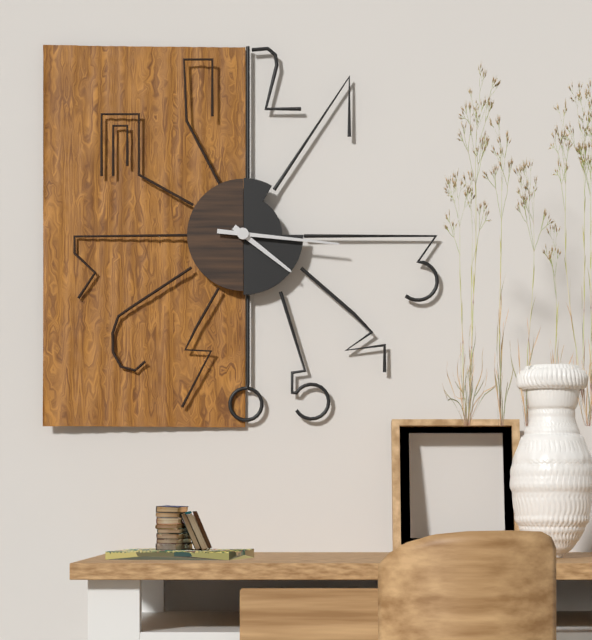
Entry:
4 h 16 min
